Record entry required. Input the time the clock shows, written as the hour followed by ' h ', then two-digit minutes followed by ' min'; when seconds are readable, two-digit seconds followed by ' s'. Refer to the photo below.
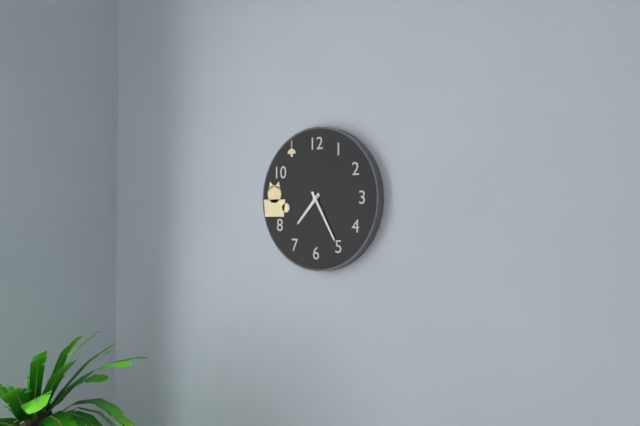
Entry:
7 h 25 min
